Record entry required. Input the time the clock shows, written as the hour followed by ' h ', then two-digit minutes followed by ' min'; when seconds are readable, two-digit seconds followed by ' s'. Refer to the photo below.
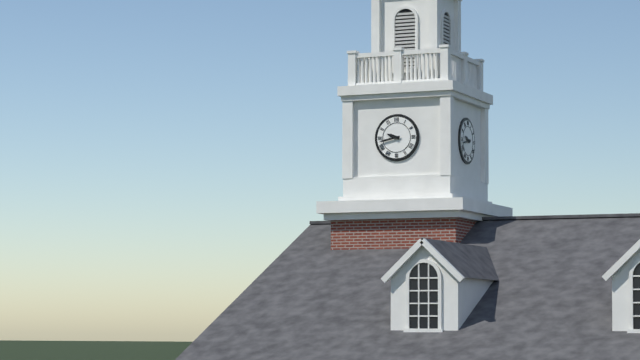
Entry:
9 h 43 min
